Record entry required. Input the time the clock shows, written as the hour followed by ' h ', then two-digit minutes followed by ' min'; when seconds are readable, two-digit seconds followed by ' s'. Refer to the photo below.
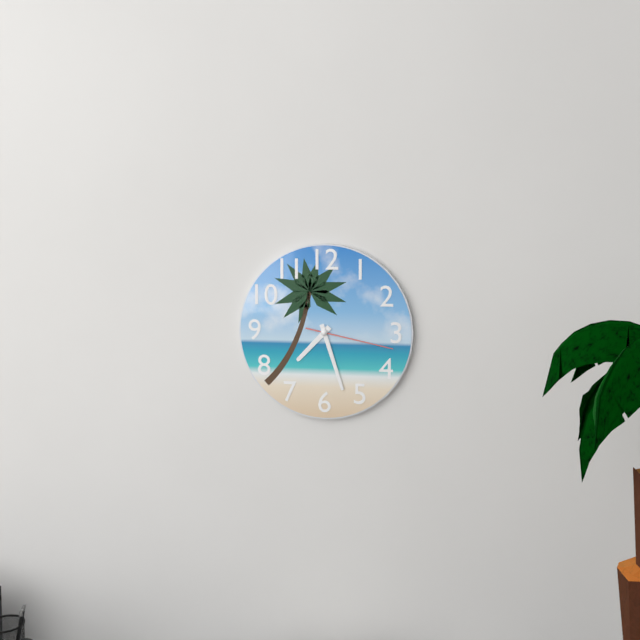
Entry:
7 h 27 min 17 s
